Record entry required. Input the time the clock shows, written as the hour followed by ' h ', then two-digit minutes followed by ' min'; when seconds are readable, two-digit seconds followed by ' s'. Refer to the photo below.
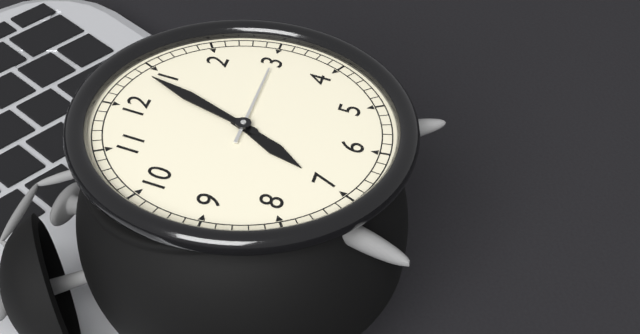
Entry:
7 h 04 min 15 s
